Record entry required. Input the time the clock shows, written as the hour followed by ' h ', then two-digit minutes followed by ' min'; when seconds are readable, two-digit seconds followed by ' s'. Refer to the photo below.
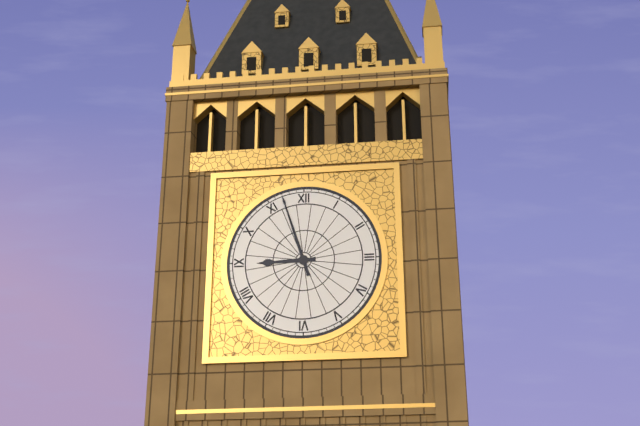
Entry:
8 h 57 min
